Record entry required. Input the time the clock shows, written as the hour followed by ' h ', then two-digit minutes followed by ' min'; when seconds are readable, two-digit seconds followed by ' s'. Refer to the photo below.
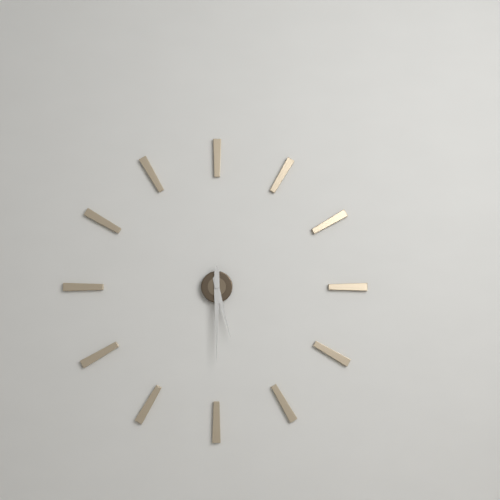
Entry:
5 h 30 min
